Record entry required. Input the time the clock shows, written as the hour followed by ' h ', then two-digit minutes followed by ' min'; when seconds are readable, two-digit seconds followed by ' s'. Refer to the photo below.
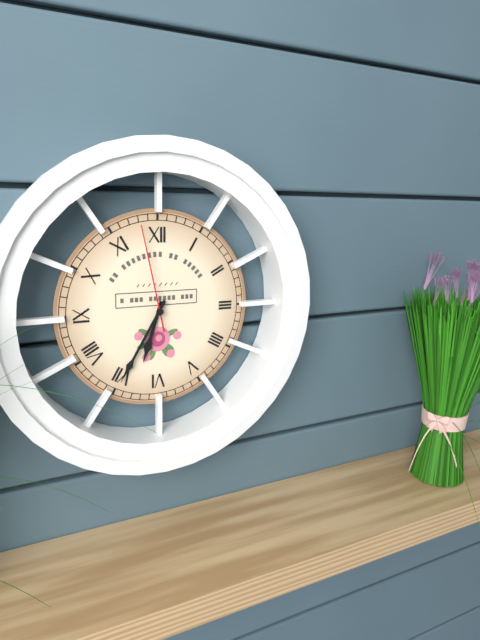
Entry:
6 h 35 min 58 s
